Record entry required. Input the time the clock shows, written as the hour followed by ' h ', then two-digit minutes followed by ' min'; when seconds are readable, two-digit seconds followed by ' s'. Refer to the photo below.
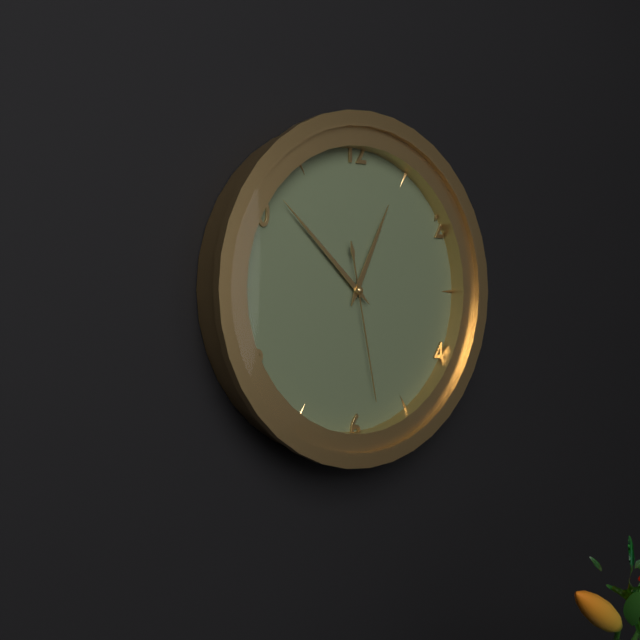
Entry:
12 h 52 min 28 s
